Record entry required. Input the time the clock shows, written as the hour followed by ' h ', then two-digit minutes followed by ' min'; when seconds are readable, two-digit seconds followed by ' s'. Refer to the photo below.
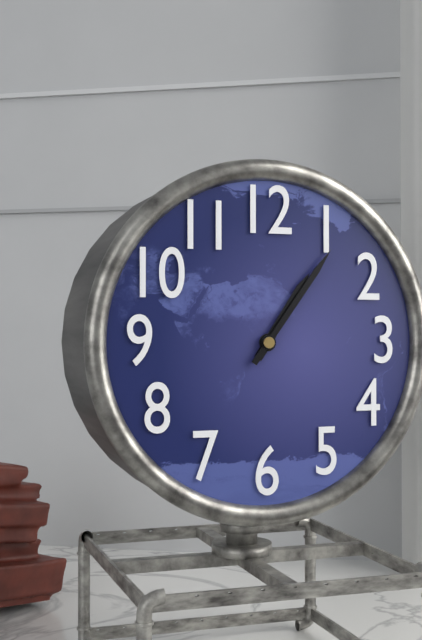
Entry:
1 h 06 min
